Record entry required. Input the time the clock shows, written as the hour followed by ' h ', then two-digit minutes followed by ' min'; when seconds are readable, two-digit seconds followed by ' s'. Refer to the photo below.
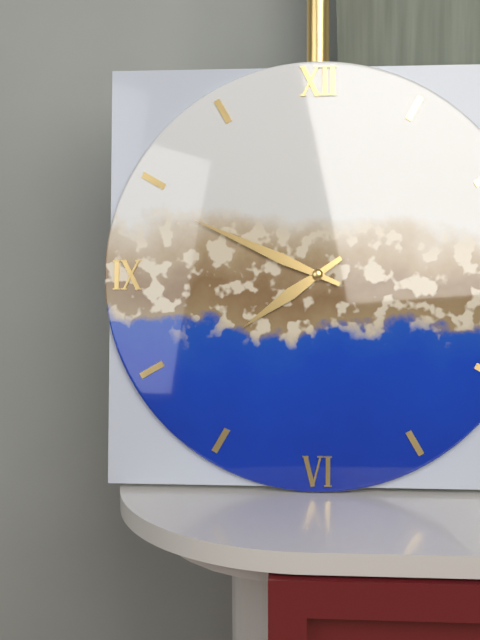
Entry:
7 h 49 min
